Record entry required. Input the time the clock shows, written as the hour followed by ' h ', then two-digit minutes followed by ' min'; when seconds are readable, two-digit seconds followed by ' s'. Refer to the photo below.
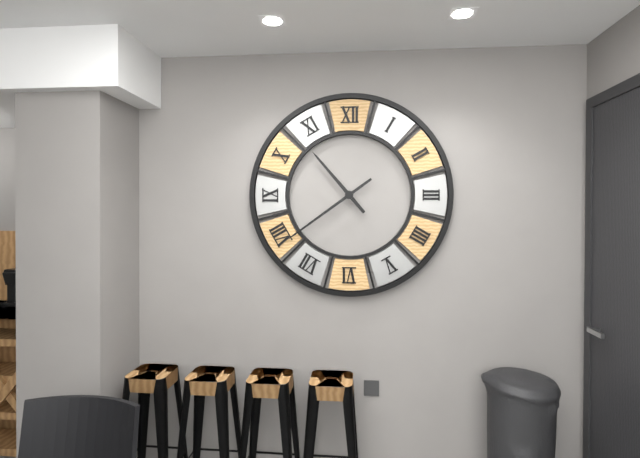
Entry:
10 h 39 min
